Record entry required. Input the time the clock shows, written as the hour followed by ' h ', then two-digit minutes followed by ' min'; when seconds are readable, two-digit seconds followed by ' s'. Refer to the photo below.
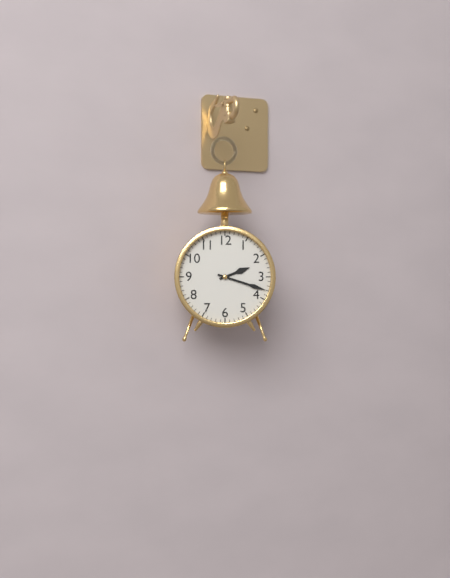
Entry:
2 h 18 min
